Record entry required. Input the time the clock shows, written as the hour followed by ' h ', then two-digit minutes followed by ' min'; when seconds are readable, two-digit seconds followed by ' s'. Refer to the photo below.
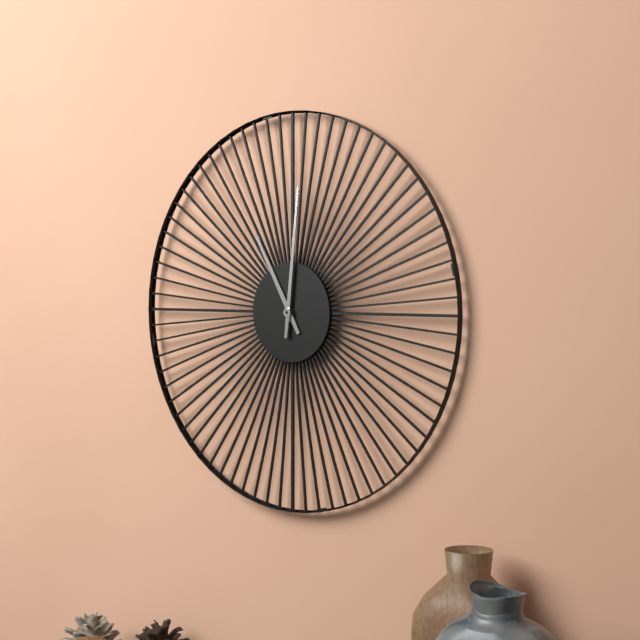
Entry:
11 h 01 min
